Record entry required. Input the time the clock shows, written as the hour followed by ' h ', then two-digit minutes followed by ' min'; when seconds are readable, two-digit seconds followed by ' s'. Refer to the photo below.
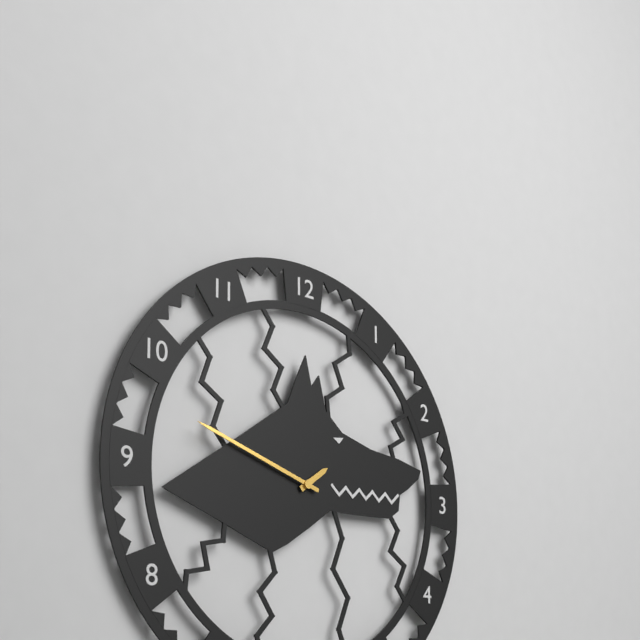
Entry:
1 h 48 min
